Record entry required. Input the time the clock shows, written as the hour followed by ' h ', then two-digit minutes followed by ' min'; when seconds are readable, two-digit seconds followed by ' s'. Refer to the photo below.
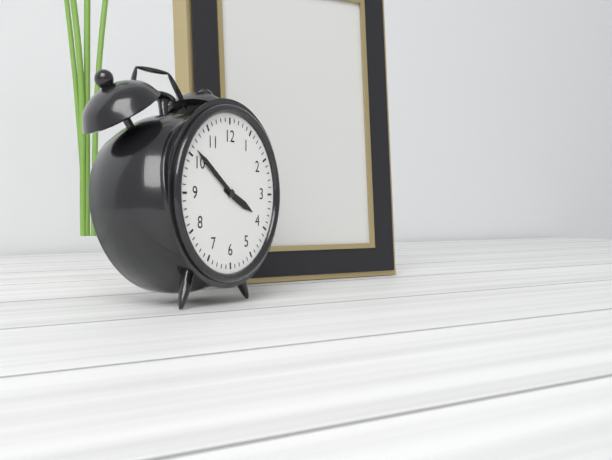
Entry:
3 h 51 min
